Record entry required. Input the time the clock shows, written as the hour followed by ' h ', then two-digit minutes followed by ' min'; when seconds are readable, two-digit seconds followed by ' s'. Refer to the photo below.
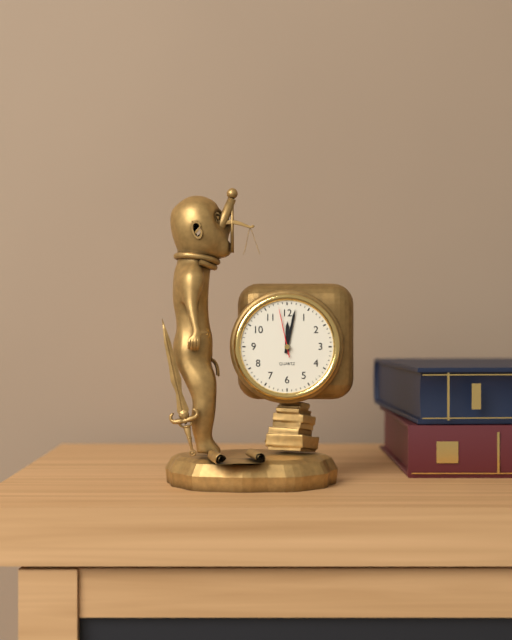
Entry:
12 h 02 min 58 s
